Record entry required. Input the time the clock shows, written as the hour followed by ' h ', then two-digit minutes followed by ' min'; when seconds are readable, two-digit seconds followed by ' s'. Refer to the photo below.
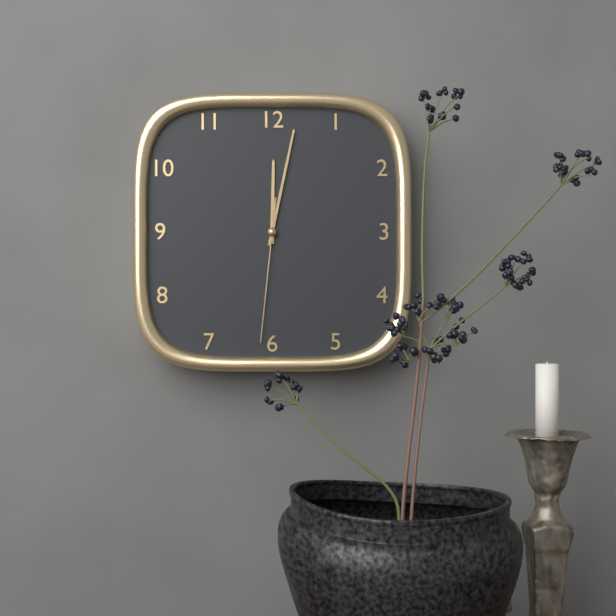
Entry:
12 h 02 min 31 s
